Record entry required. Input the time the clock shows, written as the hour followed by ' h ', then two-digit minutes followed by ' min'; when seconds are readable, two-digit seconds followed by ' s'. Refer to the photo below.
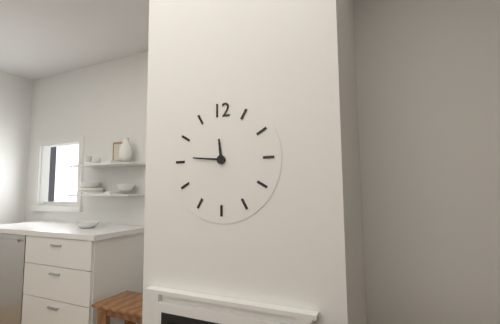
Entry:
11 h 46 min
